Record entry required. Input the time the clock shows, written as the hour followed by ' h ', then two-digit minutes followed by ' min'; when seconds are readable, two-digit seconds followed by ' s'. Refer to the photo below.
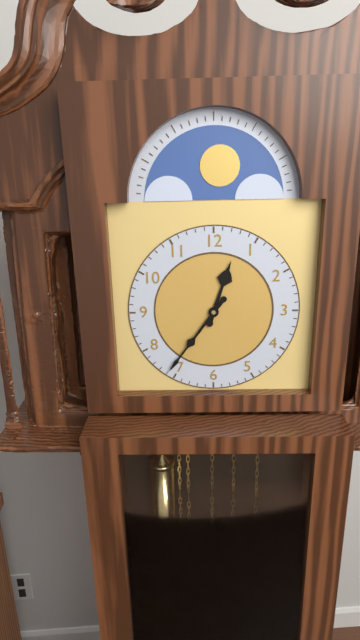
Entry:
12 h 36 min
